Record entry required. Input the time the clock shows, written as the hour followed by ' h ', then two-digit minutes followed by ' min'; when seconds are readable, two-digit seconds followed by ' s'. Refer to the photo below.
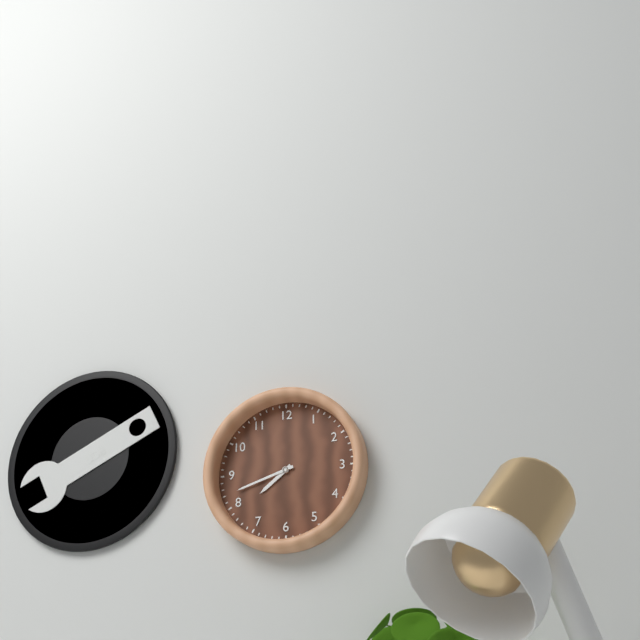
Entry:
7 h 42 min
